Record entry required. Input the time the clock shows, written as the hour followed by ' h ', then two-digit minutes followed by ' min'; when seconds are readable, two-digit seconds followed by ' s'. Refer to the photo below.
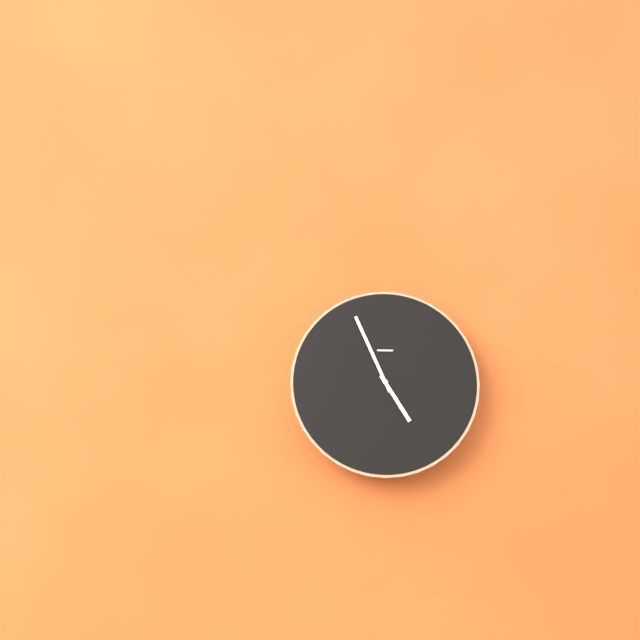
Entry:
4 h 56 min
